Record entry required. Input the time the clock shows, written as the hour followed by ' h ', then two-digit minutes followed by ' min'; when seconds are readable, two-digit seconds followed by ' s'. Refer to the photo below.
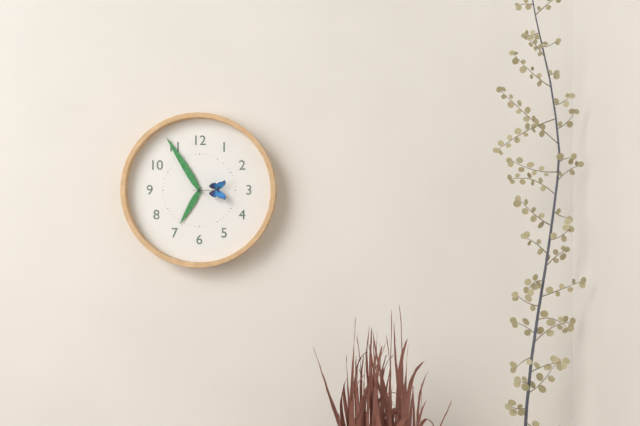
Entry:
6 h 55 min
